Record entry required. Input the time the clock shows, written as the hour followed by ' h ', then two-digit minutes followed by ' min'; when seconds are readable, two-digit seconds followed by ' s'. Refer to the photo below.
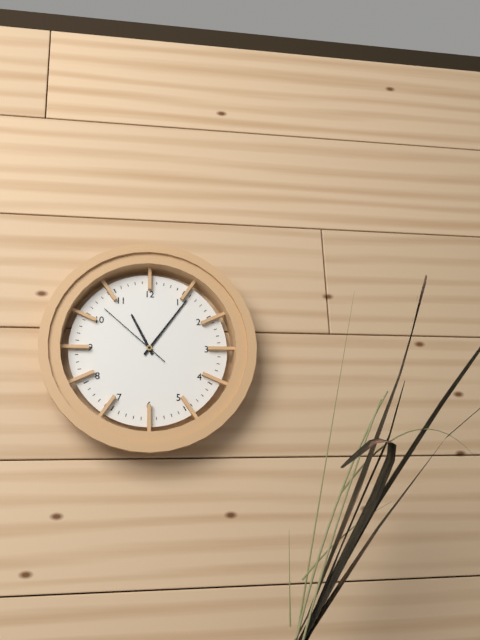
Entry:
11 h 06 min 52 s
